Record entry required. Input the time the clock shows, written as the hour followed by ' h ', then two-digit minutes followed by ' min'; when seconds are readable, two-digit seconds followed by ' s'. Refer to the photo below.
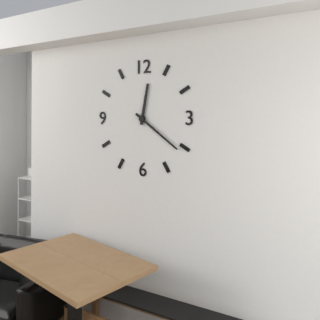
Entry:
12 h 21 min
